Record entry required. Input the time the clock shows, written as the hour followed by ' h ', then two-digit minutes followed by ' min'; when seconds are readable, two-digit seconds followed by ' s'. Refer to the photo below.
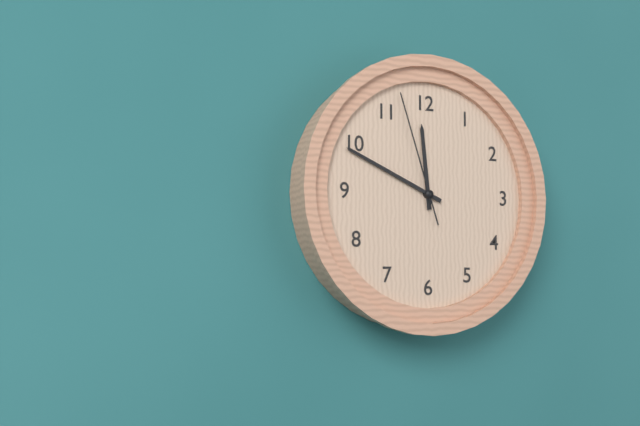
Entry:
11 h 49 min 57 s
